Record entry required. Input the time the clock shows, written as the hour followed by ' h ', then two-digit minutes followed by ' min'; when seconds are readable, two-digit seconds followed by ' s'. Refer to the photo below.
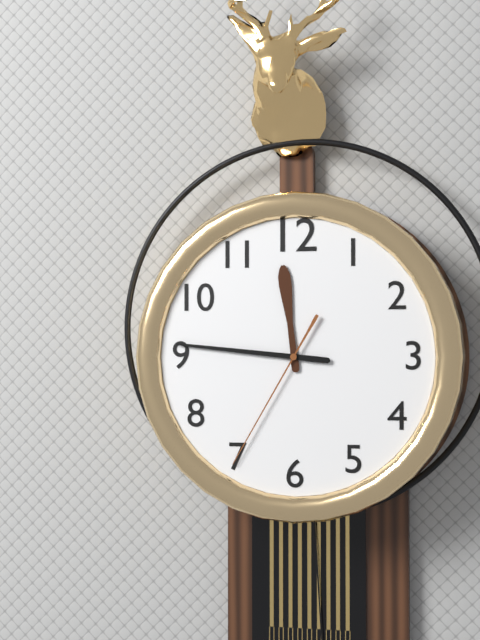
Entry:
11 h 46 min 35 s
